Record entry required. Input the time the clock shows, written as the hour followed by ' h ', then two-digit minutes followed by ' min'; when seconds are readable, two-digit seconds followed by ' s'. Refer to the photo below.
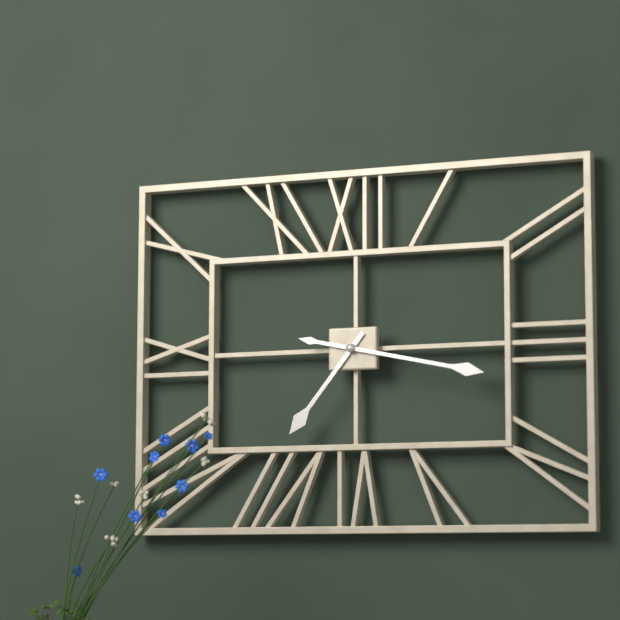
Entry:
7 h 17 min
